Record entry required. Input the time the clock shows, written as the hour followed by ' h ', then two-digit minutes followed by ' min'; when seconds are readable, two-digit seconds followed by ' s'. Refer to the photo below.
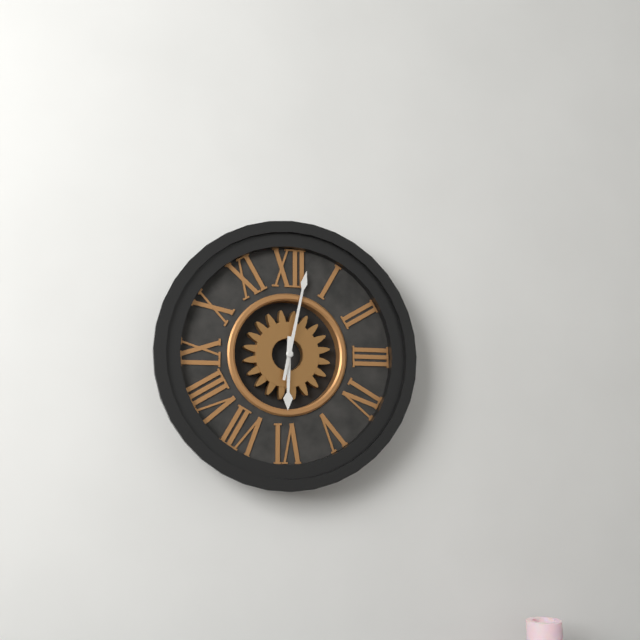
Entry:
6 h 02 min
